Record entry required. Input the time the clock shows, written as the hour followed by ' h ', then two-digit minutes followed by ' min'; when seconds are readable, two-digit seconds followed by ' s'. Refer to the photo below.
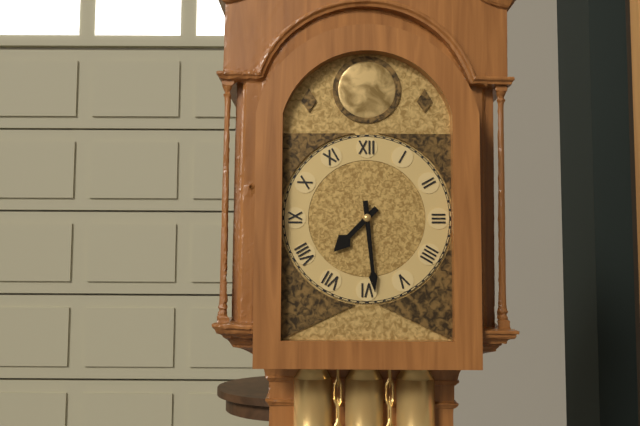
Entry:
7 h 29 min
